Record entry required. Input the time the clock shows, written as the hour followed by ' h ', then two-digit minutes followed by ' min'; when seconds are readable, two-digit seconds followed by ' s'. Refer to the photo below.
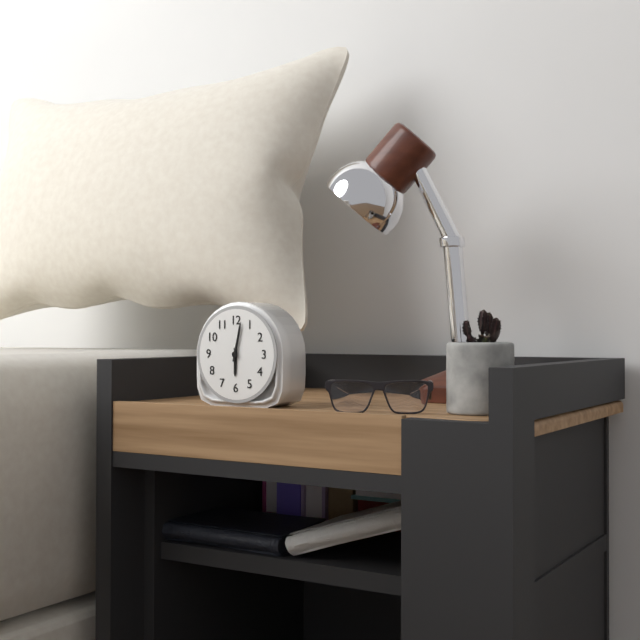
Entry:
6 h 02 min
